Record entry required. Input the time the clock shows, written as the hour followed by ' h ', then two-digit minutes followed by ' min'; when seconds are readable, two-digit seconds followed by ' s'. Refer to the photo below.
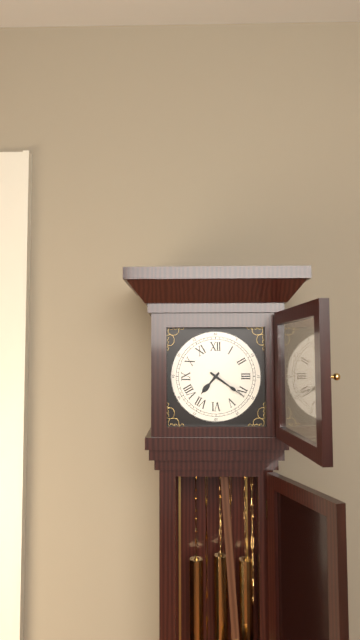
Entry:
7 h 21 min
